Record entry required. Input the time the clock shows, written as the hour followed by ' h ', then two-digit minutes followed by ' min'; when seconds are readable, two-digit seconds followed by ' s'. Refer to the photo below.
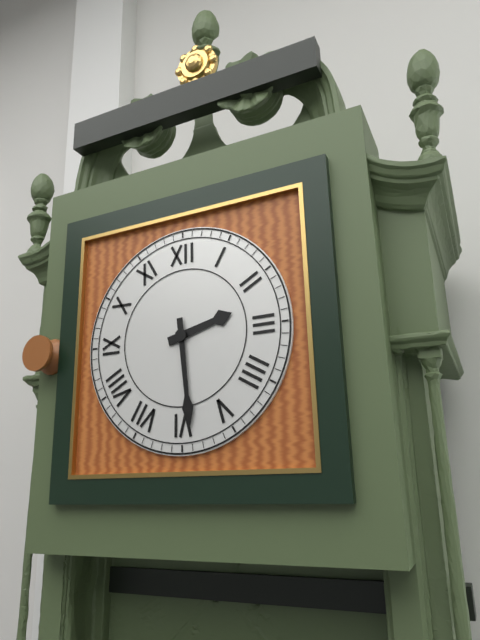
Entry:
2 h 29 min
